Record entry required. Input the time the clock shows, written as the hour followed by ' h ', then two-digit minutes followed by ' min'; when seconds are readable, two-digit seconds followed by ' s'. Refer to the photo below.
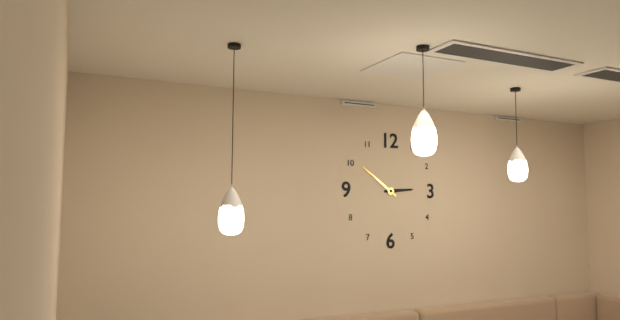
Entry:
2 h 51 min
